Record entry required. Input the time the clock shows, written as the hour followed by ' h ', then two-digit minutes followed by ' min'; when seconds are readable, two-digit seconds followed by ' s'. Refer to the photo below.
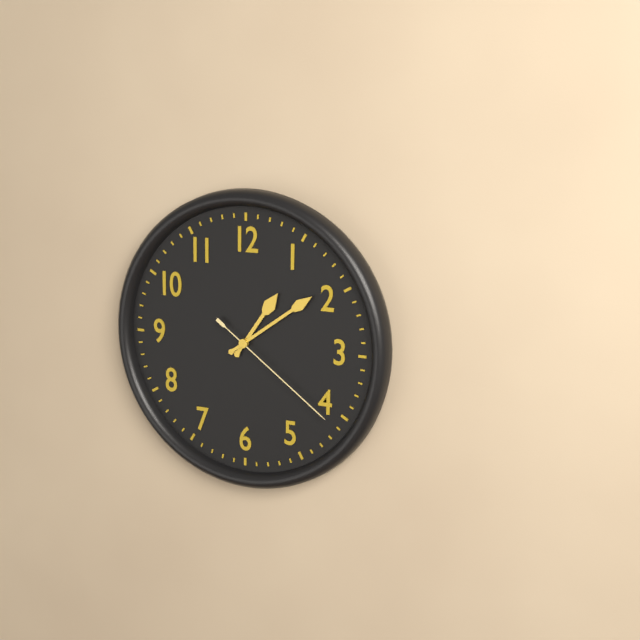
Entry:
1 h 09 min 21 s
